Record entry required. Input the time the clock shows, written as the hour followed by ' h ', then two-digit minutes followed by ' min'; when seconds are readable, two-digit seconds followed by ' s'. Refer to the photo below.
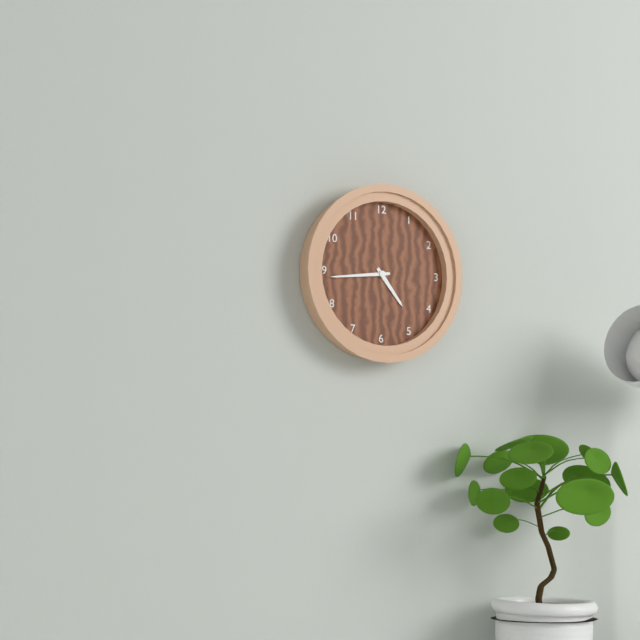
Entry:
4 h 44 min
